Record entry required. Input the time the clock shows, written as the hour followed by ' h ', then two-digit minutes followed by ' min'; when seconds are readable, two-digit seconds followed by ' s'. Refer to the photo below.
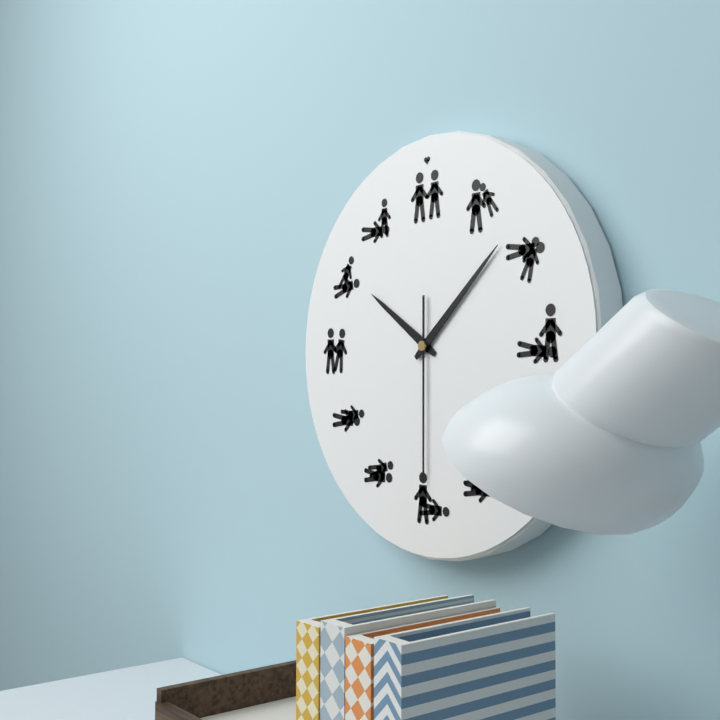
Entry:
10 h 08 min 30 s
